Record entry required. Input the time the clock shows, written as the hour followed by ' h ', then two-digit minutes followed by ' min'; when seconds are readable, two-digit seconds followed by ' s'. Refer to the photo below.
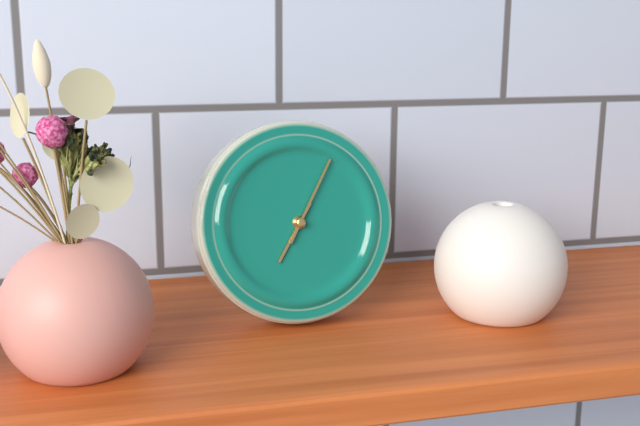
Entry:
7 h 05 min
